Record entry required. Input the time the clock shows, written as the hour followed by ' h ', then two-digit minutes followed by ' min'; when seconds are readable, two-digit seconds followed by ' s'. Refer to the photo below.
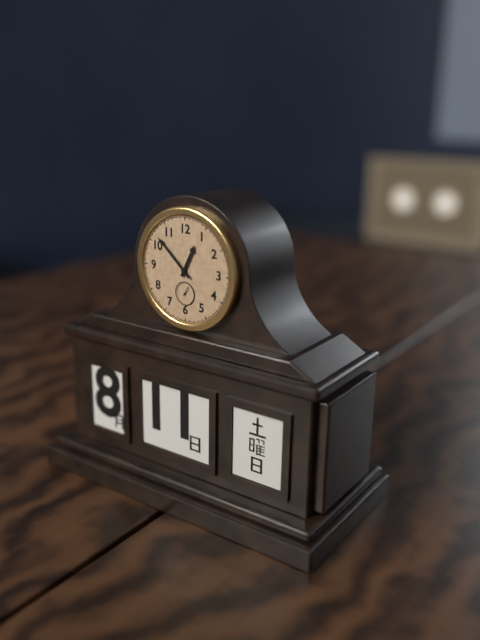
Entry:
12 h 52 min
